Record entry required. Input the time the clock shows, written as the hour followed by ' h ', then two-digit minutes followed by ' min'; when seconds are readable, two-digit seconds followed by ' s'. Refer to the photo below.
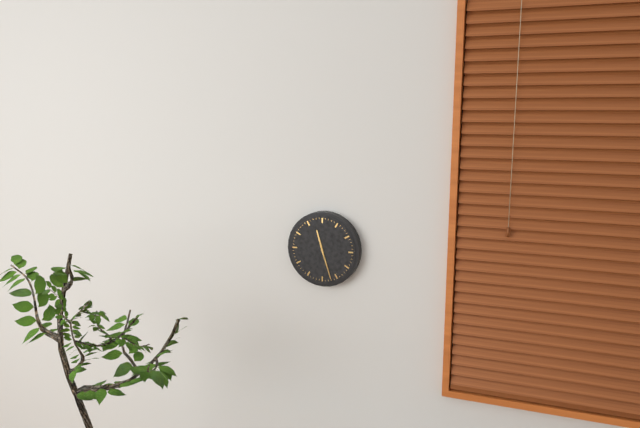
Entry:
11 h 27 min
